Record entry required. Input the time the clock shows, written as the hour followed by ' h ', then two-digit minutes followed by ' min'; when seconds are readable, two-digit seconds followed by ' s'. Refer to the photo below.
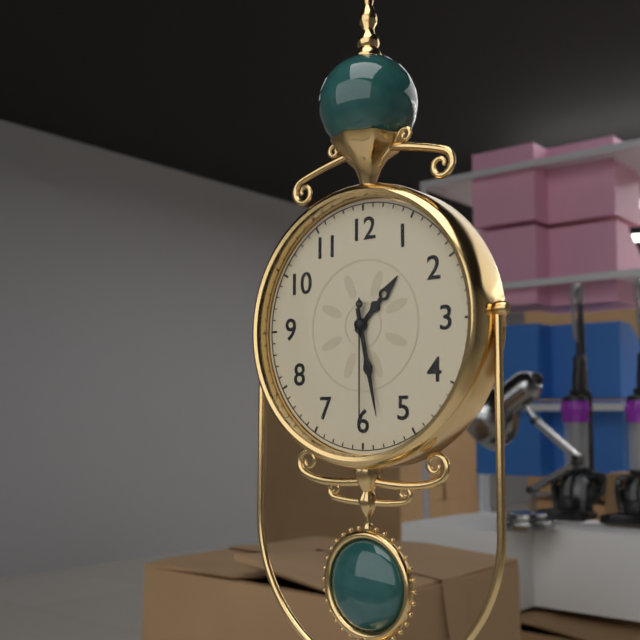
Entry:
1 h 28 min 30 s
